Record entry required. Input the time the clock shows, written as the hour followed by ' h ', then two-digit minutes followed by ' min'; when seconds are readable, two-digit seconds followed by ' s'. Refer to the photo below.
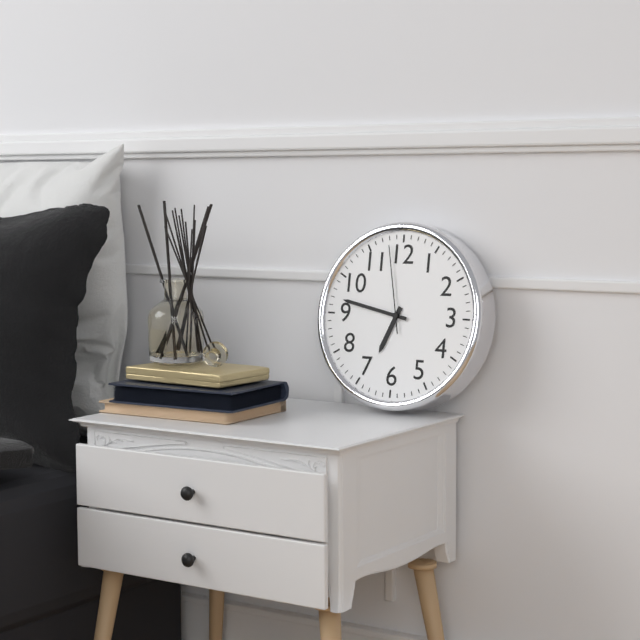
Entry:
6 h 47 min 58 s
